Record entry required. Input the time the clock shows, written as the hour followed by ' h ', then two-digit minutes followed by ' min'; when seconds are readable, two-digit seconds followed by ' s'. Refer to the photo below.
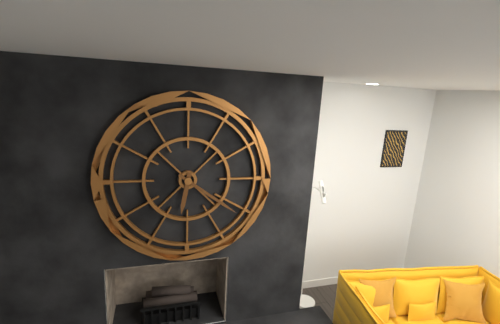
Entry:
6 h 21 min
